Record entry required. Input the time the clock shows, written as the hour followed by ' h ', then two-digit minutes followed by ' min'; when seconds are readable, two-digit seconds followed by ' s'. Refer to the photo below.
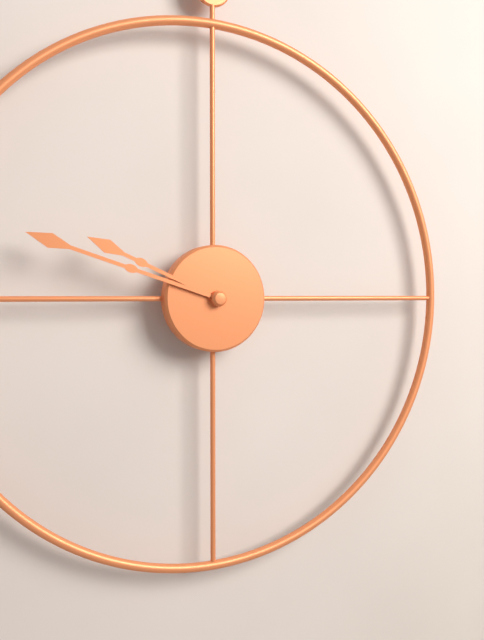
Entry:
9 h 48 min
